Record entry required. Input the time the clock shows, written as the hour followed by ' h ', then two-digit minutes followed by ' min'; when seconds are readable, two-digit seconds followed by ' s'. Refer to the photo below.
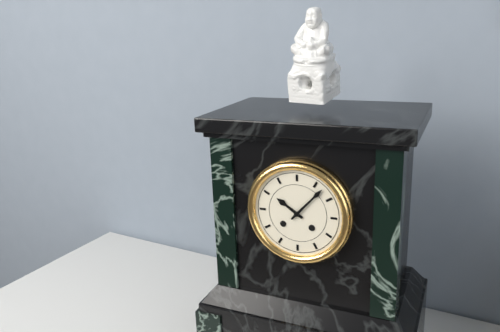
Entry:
10 h 07 min
